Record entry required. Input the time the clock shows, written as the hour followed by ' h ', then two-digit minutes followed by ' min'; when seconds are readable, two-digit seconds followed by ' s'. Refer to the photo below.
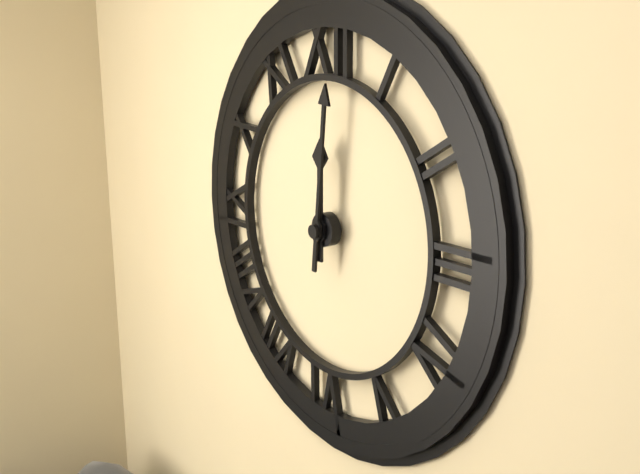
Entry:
12 h 01 min
